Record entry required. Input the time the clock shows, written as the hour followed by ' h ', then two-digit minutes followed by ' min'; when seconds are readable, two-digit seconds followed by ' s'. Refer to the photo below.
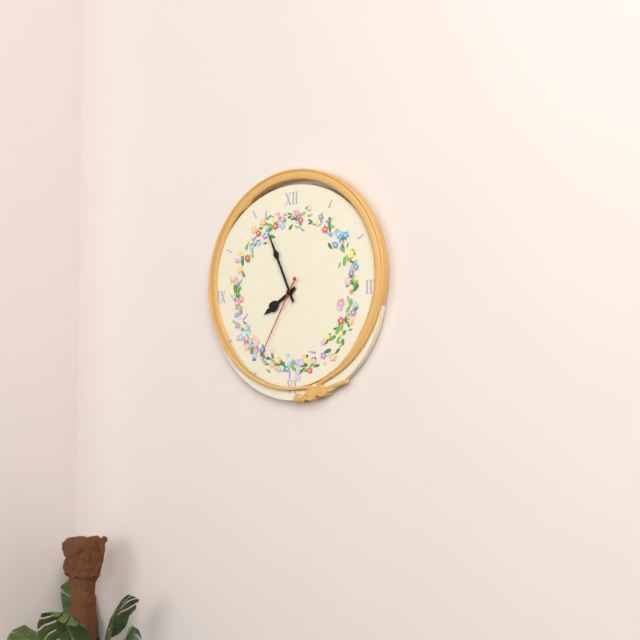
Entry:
7 h 56 min 35 s
